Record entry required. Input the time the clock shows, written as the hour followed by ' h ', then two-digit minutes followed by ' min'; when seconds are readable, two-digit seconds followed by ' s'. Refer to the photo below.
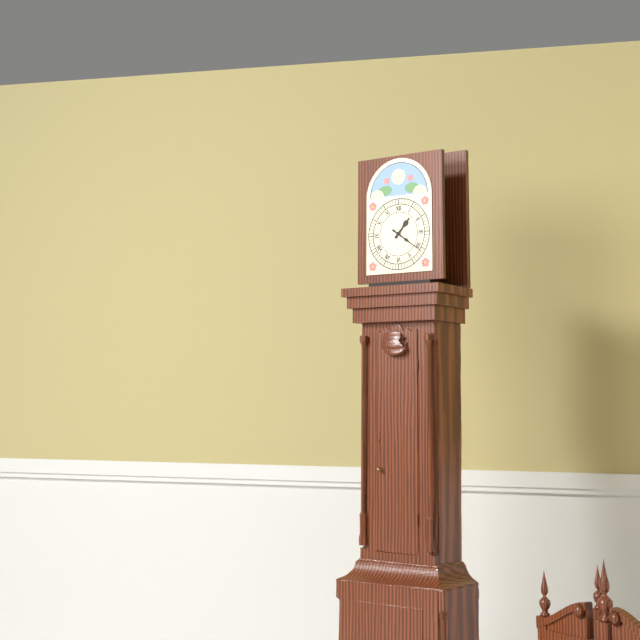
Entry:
1 h 21 min
